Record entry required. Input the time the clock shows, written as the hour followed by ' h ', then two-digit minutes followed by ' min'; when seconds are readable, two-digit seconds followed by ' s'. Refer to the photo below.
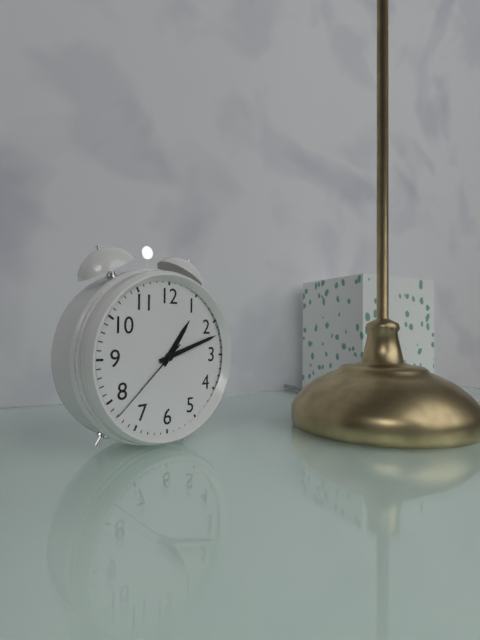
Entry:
1 h 12 min 38 s
